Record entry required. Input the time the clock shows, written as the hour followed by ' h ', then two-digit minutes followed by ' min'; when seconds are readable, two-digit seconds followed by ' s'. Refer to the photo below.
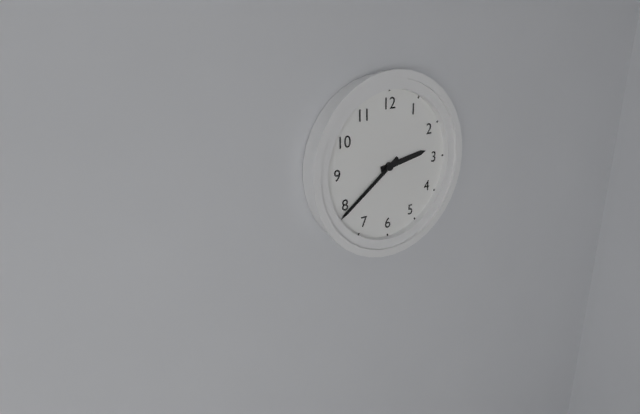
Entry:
2 h 39 min
